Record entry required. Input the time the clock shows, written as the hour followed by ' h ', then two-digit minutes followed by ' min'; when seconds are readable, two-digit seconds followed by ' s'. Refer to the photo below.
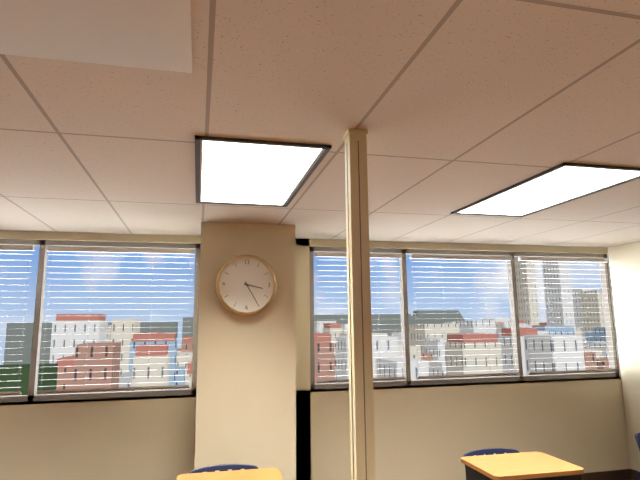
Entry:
3 h 25 min
